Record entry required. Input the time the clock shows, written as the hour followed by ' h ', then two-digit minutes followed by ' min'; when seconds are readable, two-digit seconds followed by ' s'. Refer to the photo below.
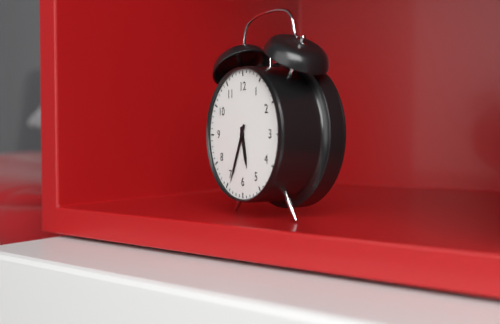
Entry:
5 h 34 min
